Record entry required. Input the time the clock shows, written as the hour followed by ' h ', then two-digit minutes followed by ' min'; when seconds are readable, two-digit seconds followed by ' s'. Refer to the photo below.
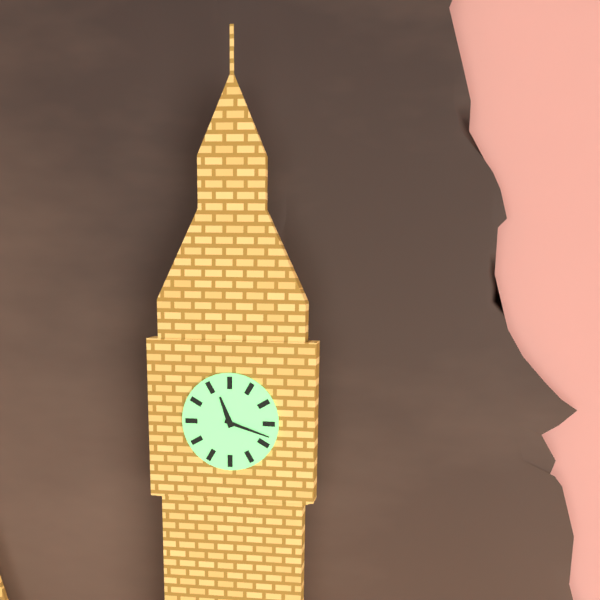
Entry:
11 h 18 min
